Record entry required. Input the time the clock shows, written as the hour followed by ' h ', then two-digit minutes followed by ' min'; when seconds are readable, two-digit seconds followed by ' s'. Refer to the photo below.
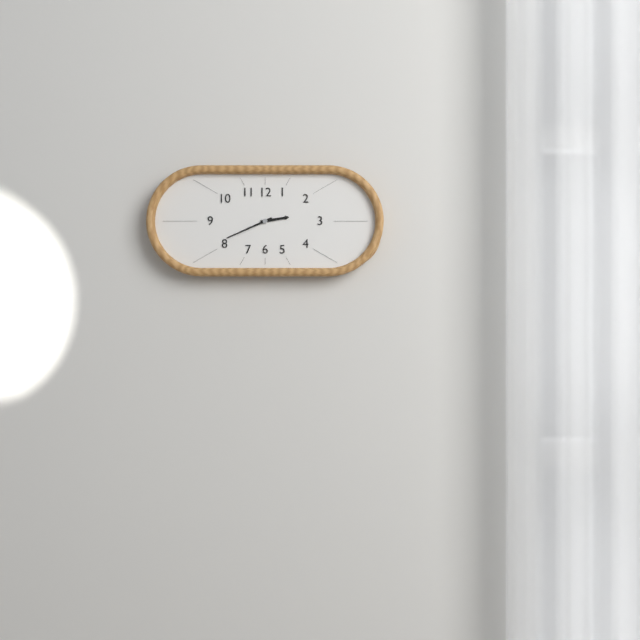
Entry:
2 h 41 min
